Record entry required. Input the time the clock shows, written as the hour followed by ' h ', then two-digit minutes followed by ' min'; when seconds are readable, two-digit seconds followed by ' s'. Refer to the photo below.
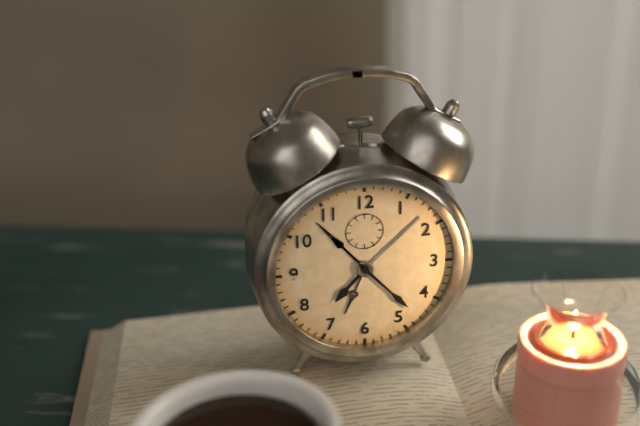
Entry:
7 h 23 min
